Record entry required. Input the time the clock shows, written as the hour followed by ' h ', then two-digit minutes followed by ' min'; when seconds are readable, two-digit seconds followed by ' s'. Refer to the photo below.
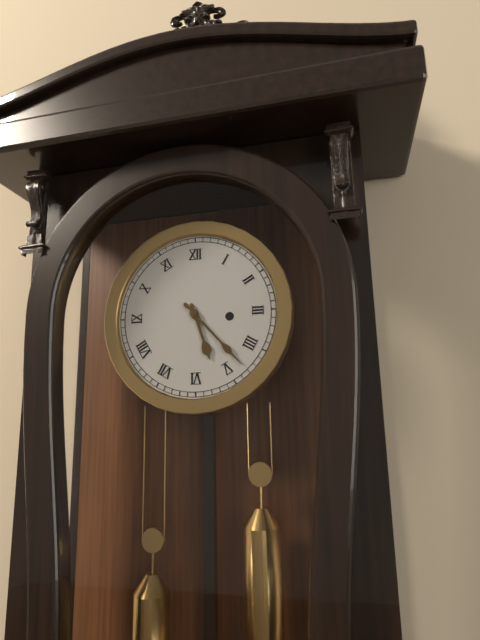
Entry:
5 h 23 min
